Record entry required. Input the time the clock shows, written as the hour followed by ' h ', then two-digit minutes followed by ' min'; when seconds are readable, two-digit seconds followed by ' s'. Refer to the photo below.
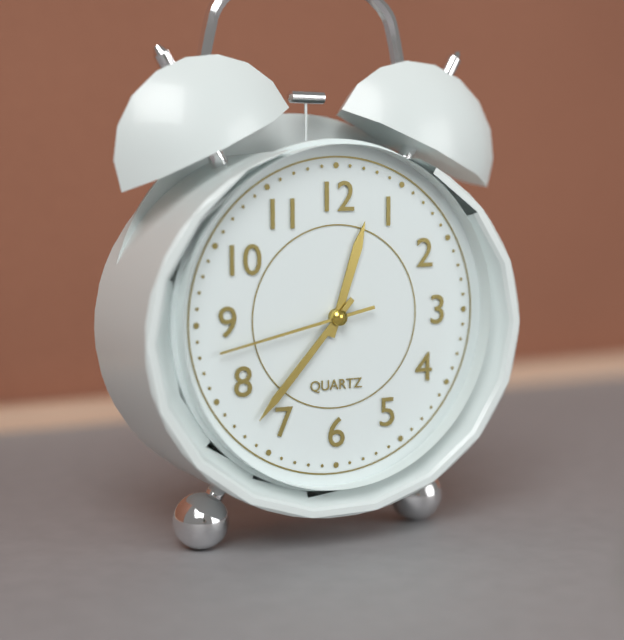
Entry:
12 h 37 min 43 s
